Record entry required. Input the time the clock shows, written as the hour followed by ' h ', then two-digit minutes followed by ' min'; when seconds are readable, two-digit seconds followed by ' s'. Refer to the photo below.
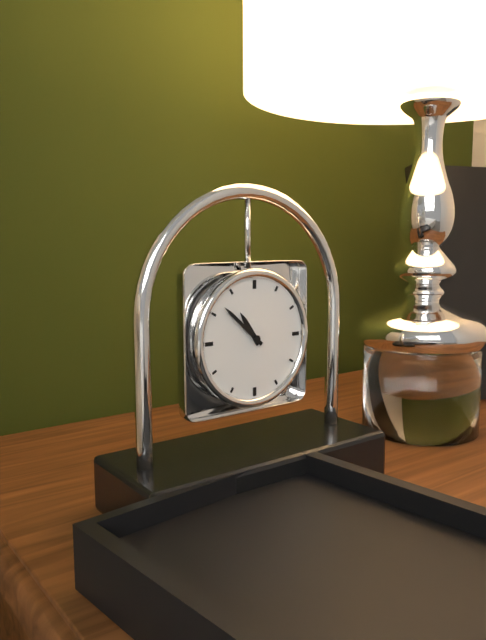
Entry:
10 h 52 min
